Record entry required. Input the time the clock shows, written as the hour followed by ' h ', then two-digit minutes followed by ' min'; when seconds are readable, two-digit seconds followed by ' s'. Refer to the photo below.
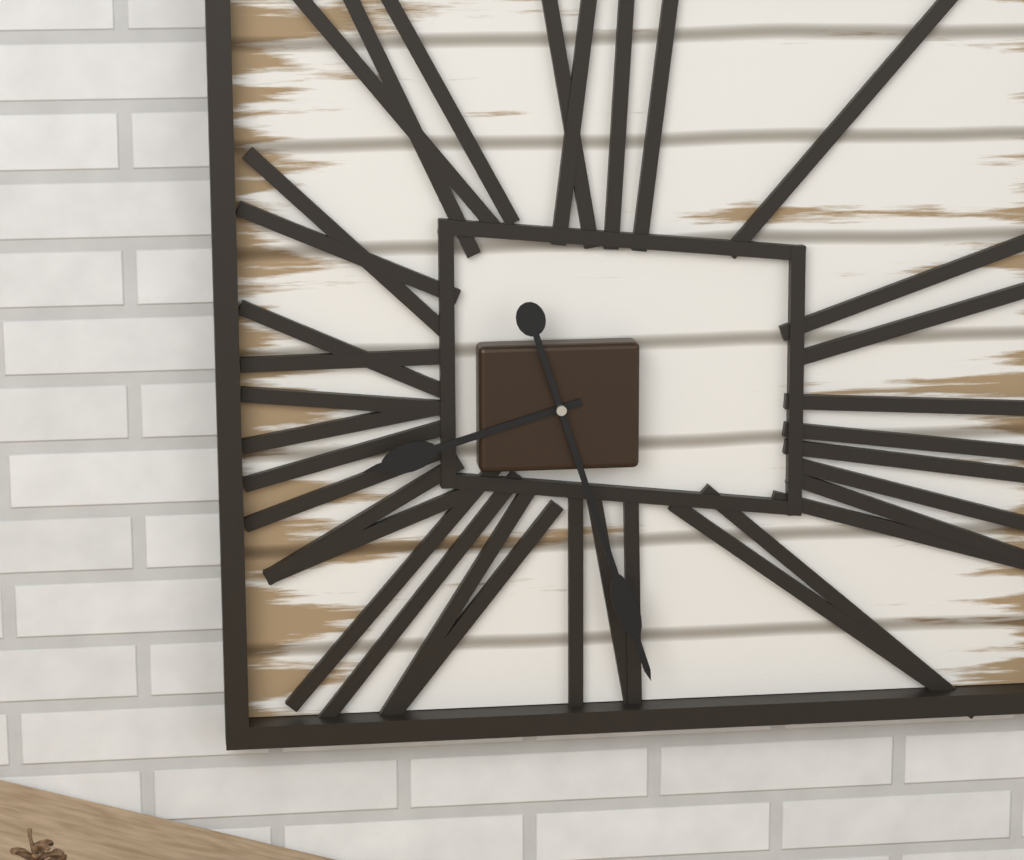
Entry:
8 h 27 min
